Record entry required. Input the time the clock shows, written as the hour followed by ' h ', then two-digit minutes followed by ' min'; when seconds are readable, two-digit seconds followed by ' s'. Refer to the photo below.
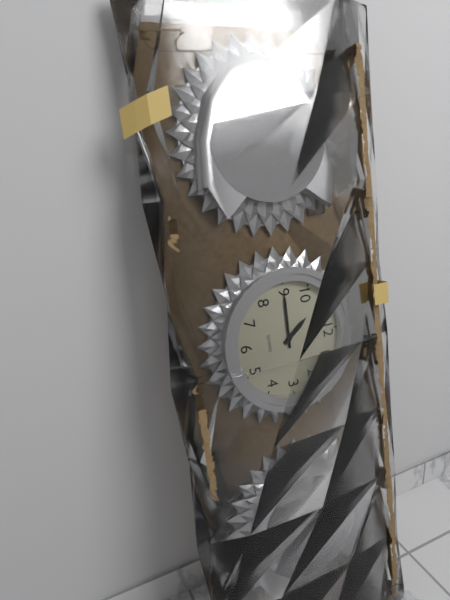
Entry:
10 h 45 min
